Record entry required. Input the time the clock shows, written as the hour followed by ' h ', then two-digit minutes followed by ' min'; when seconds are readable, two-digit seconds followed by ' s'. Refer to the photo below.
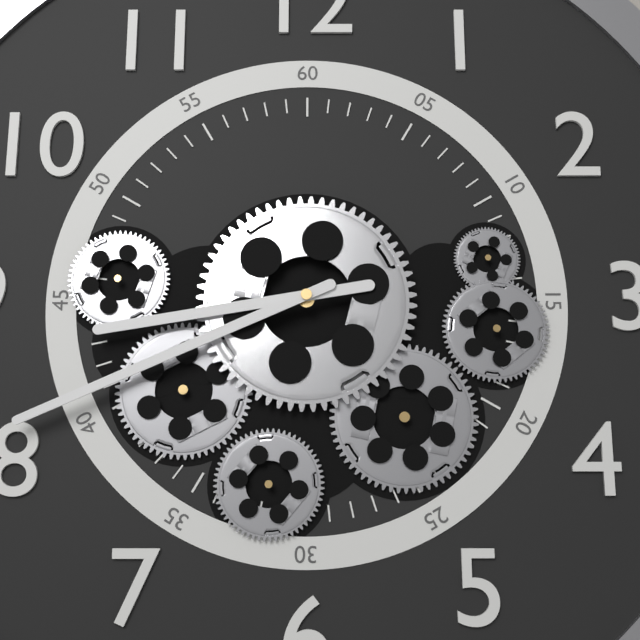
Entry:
8 h 41 min
